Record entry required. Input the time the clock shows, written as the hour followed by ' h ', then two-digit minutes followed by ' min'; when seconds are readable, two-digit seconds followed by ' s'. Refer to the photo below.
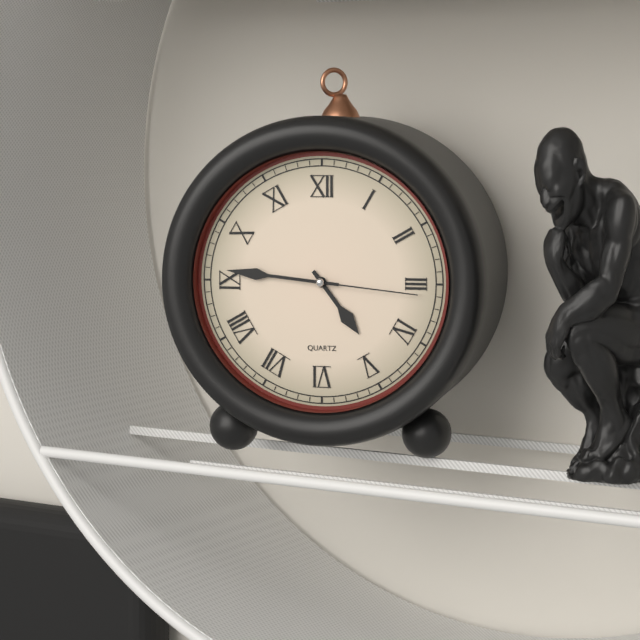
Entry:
4 h 46 min 16 s
